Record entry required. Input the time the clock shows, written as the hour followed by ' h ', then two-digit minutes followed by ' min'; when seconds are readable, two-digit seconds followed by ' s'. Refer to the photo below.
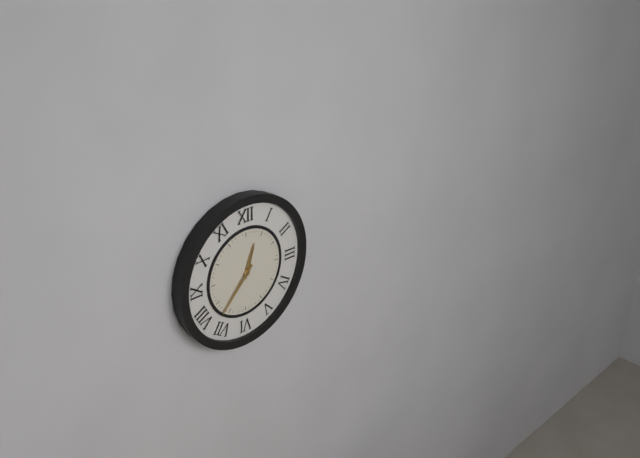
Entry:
12 h 37 min
